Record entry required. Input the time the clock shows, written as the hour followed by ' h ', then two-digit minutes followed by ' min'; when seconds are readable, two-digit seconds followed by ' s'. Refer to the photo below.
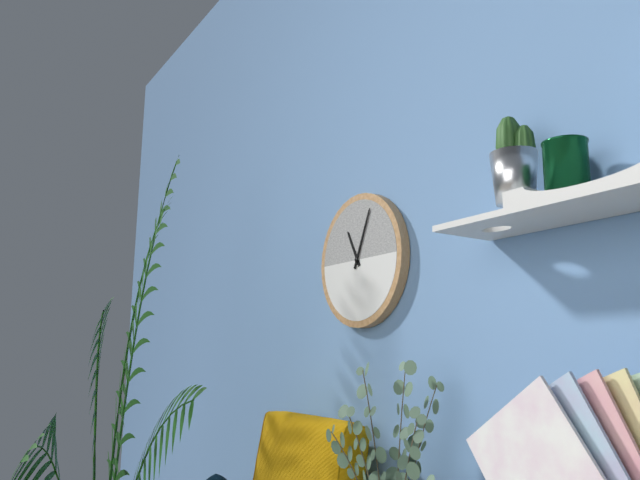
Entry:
11 h 04 min
